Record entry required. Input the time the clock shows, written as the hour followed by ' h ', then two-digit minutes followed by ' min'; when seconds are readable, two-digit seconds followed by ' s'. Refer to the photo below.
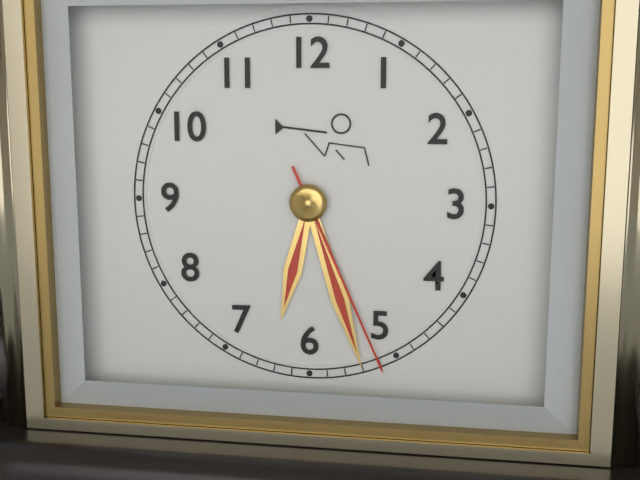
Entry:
6 h 27 min 26 s
